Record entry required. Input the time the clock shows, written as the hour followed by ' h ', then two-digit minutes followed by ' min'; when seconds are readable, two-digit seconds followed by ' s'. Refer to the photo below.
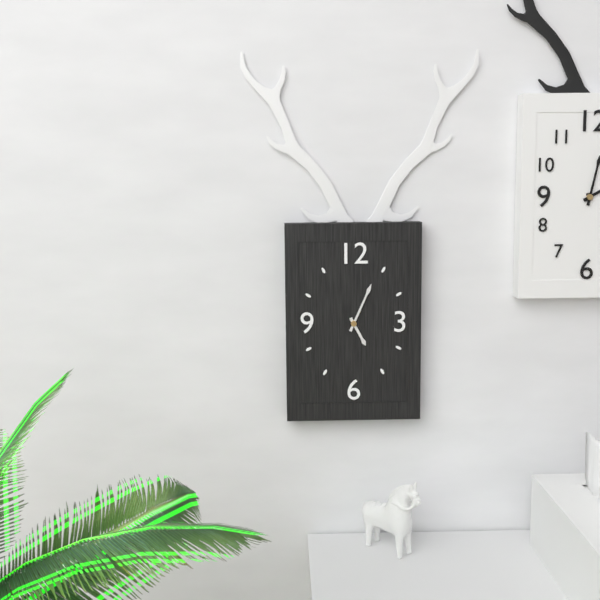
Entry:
5 h 04 min
